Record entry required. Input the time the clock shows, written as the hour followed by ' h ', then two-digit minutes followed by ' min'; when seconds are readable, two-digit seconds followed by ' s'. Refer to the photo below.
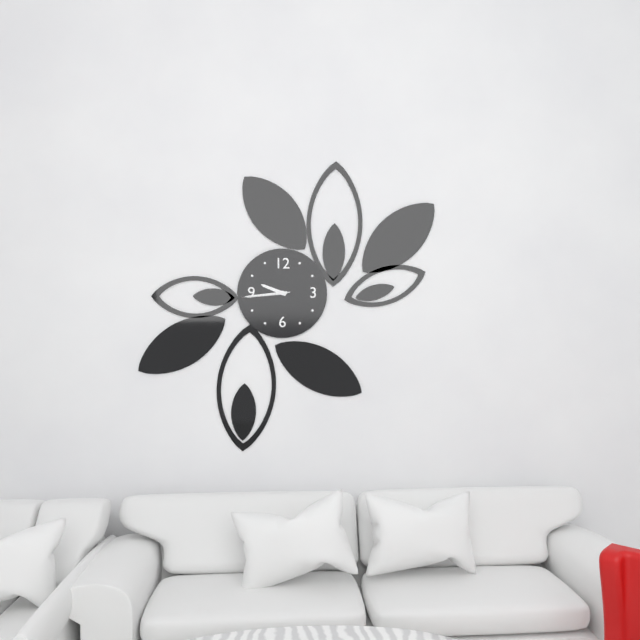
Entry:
9 h 44 min 44 s
